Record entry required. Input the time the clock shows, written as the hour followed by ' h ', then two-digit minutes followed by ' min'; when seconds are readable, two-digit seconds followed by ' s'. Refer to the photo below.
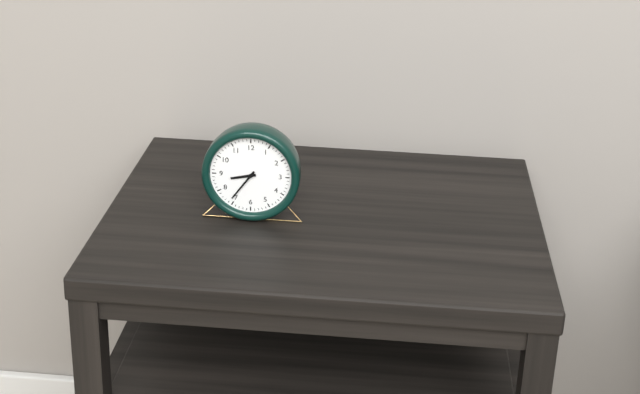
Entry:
8 h 36 min
